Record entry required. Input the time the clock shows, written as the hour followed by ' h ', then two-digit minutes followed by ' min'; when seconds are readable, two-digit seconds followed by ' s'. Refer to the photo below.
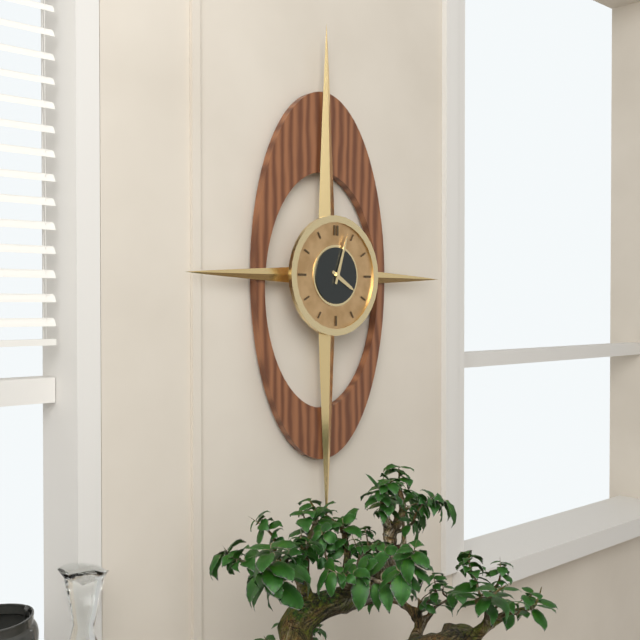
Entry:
4 h 03 min
